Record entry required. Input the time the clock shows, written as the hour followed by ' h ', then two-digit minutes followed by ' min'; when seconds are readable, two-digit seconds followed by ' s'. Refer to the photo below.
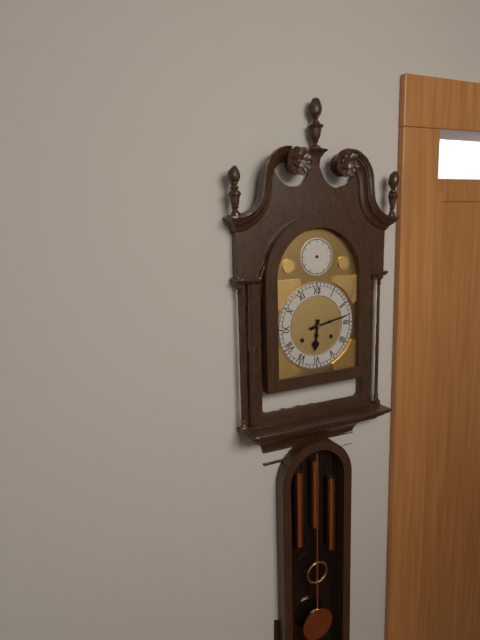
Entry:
6 h 13 min
